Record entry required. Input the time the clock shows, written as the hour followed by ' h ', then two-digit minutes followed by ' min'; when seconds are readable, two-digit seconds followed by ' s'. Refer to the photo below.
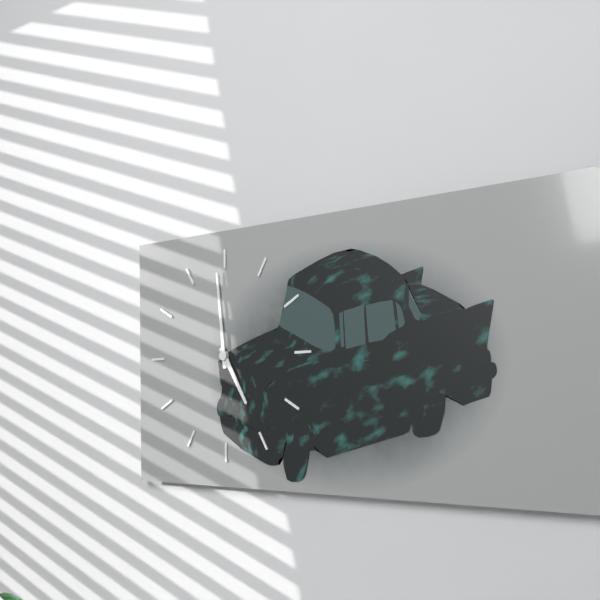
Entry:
4 h 59 min
